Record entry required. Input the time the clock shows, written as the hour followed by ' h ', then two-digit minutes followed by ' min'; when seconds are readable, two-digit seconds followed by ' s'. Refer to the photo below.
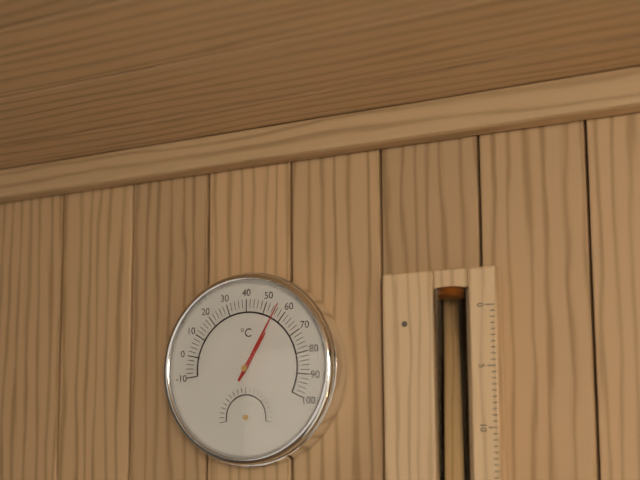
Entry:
1 h 05 min
